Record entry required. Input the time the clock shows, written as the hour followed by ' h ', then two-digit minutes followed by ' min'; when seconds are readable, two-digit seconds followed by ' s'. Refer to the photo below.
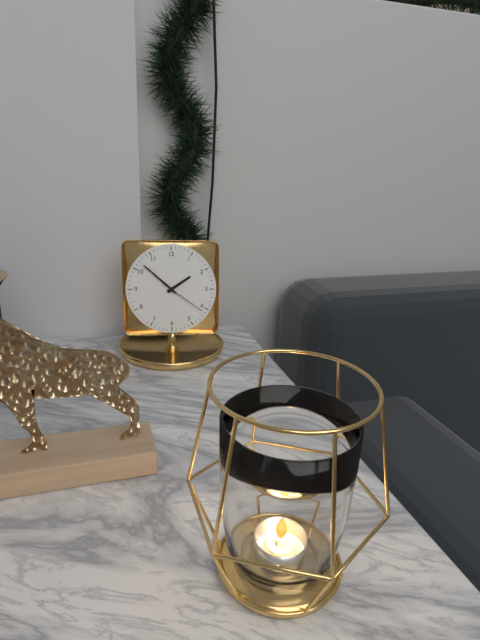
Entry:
1 h 52 min
